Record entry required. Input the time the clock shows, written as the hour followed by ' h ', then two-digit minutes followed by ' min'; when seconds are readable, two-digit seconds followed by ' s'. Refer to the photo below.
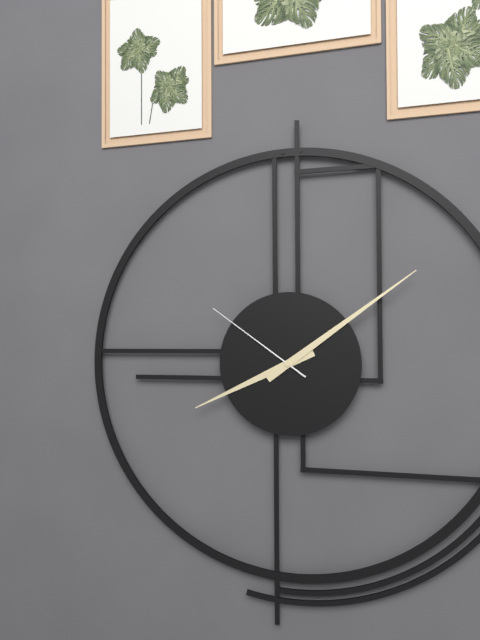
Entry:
8 h 09 min 51 s
